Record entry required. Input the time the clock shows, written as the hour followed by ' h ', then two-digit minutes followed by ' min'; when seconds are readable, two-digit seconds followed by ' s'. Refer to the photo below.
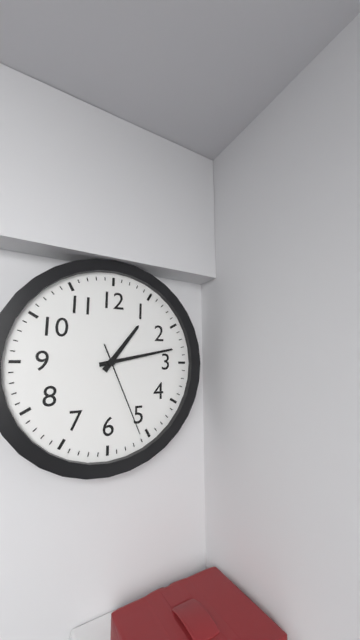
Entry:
1 h 13 min 26 s
